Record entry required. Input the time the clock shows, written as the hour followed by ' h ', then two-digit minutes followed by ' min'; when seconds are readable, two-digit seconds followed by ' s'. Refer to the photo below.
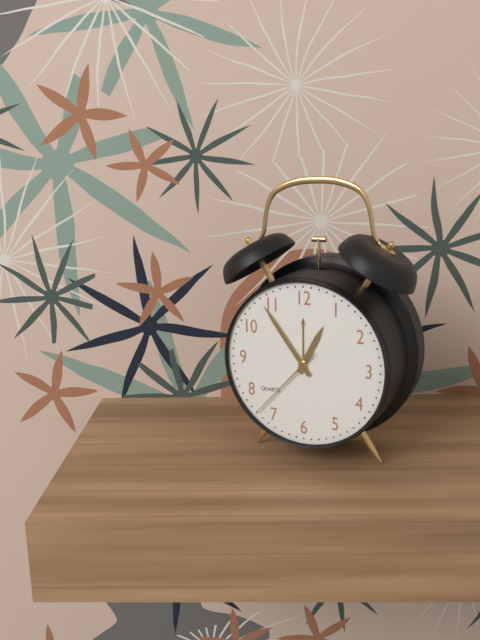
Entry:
12 h 54 min 37 s
